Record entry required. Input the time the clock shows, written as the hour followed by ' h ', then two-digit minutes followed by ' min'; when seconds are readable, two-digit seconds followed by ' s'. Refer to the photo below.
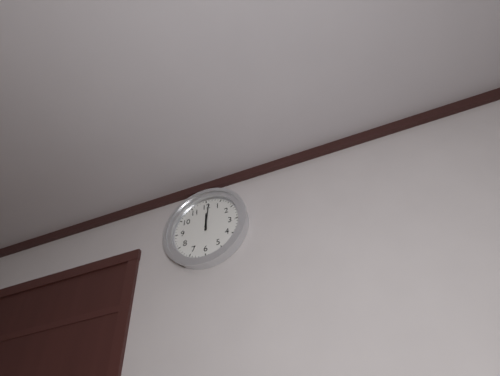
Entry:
12 h 01 min
